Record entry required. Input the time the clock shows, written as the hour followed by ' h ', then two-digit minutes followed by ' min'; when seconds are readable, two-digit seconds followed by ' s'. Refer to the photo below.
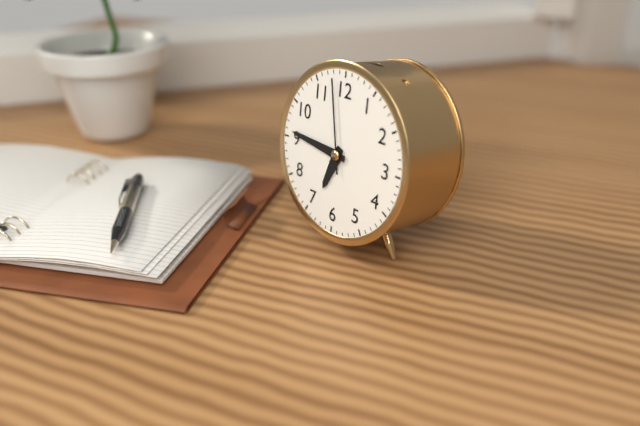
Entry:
6 h 46 min 58 s
